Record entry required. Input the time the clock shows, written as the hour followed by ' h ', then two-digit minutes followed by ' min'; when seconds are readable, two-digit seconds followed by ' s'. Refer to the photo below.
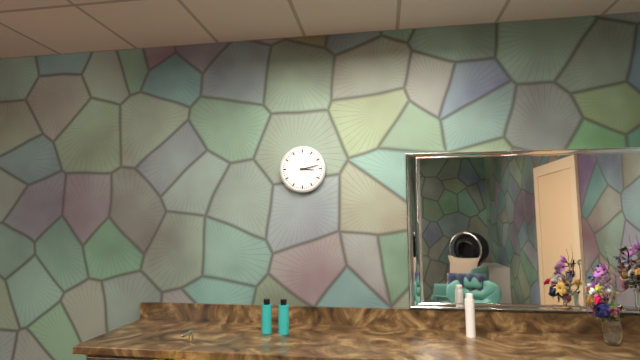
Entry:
3 h 13 min
